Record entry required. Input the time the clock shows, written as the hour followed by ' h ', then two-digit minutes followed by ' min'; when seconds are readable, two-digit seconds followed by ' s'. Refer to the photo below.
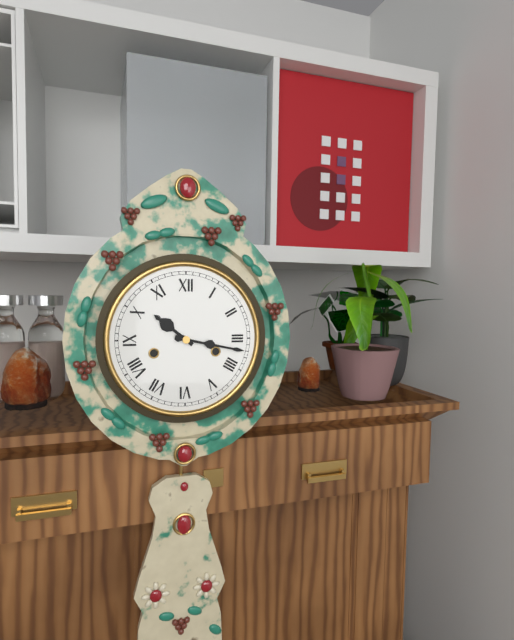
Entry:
10 h 17 min
